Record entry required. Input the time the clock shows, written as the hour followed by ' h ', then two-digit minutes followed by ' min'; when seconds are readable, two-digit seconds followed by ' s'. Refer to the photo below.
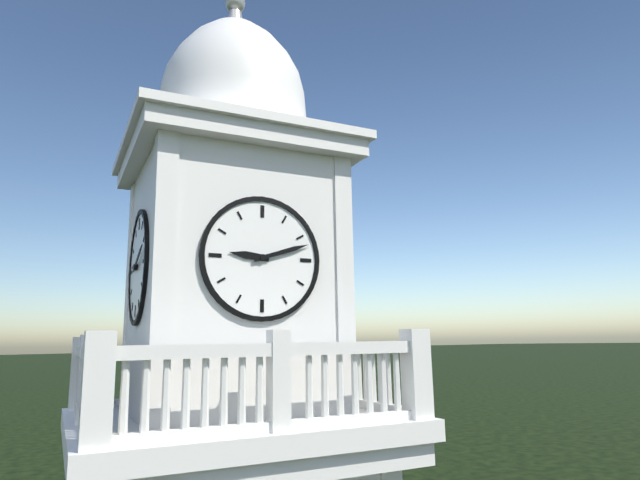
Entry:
9 h 12 min
